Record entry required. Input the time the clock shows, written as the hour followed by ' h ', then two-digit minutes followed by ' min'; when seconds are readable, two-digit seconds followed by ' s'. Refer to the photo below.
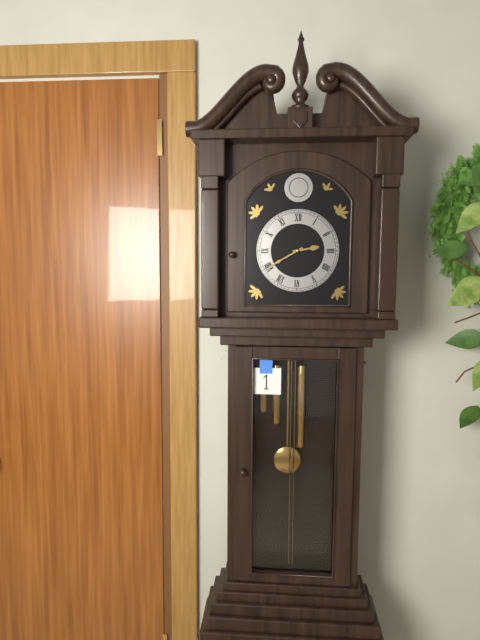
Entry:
2 h 40 min
